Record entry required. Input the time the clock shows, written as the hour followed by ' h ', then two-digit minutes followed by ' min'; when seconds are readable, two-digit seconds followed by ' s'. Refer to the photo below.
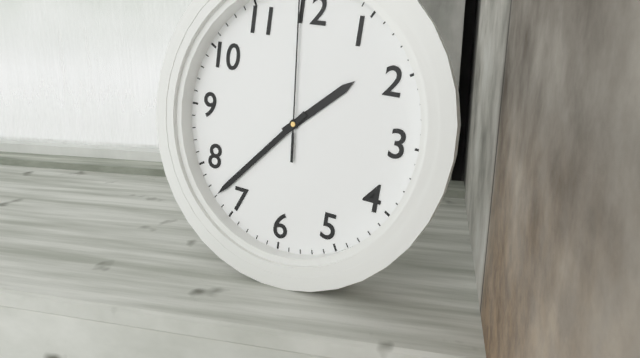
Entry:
1 h 37 min
